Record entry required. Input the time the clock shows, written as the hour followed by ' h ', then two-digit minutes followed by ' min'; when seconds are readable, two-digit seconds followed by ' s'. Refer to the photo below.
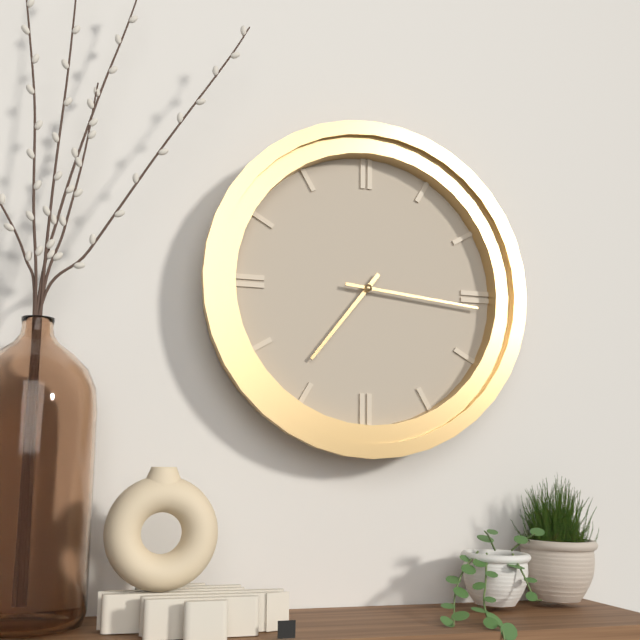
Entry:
7 h 16 min
